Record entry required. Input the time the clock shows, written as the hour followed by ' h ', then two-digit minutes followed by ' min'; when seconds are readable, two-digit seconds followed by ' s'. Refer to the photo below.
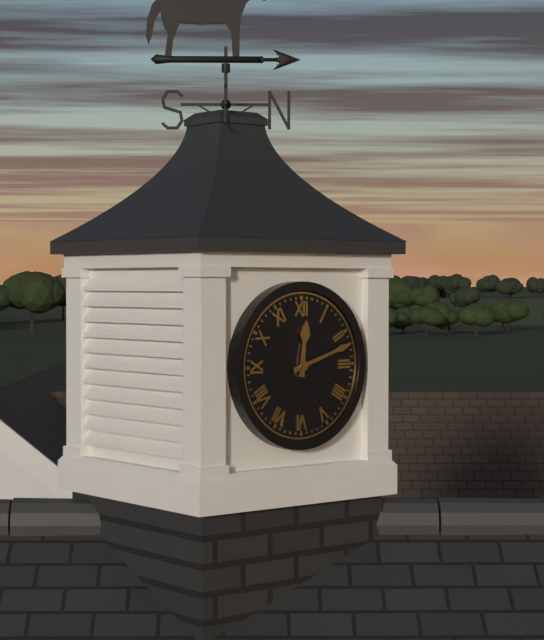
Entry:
12 h 12 min
